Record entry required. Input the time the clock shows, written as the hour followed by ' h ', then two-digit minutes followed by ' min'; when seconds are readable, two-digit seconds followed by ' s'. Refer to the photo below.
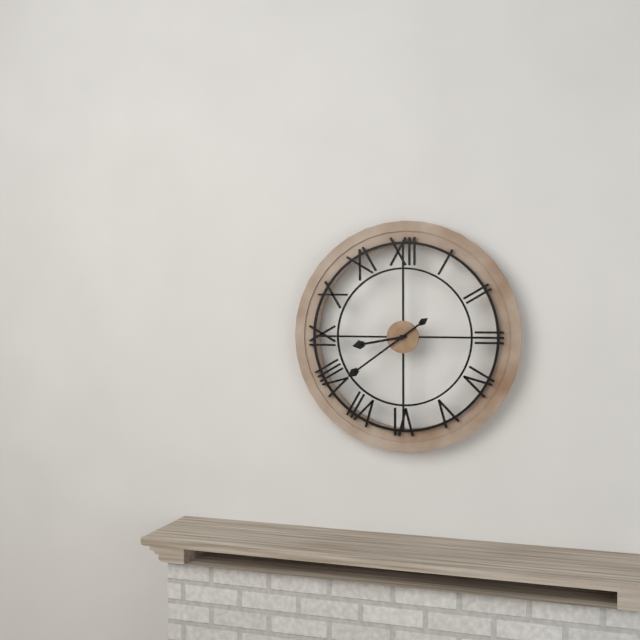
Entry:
8 h 39 min
